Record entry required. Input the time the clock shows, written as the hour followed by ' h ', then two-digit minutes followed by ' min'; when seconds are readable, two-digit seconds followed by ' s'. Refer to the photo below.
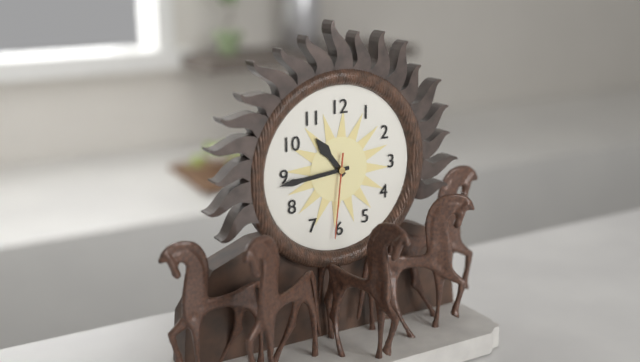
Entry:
10 h 44 min 31 s
